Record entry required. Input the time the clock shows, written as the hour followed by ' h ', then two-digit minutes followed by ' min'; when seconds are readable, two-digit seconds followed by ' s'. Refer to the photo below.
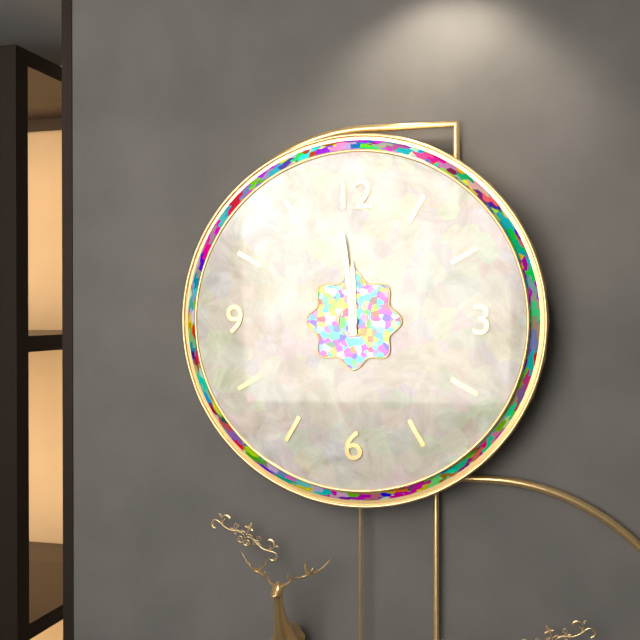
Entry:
11 h 59 min
